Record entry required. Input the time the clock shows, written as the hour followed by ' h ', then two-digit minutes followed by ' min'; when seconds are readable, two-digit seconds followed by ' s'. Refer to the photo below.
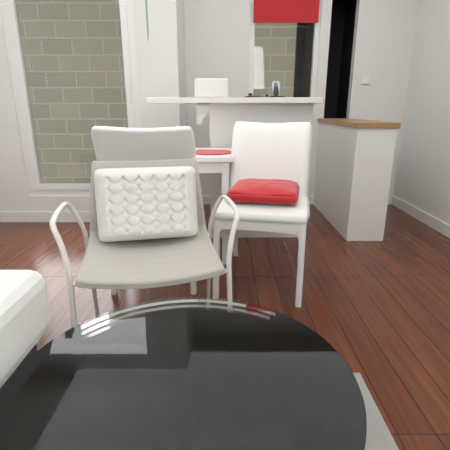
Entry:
6 h 06 min
